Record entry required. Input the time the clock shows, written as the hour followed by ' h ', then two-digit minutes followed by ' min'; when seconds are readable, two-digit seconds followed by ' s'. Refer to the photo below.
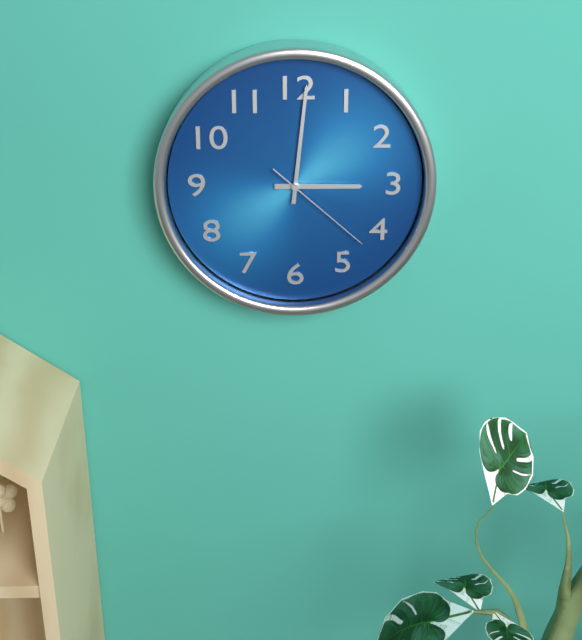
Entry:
3 h 01 min 22 s
